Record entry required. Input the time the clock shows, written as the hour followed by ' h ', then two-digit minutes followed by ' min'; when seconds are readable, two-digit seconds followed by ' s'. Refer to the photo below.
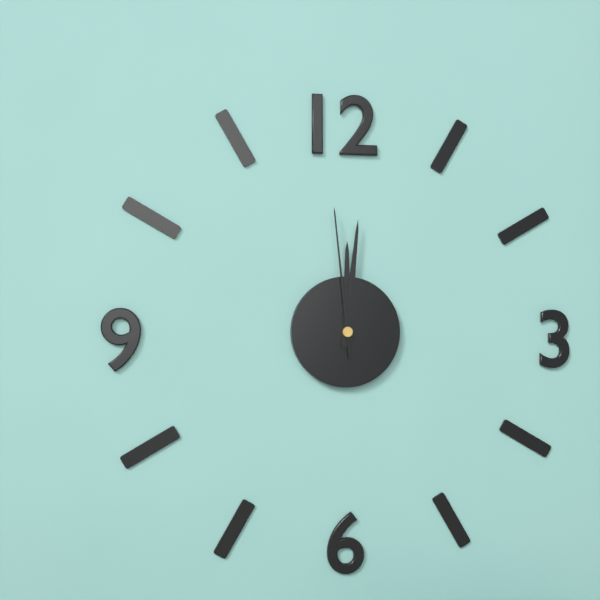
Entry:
12 h 01 min 59 s
